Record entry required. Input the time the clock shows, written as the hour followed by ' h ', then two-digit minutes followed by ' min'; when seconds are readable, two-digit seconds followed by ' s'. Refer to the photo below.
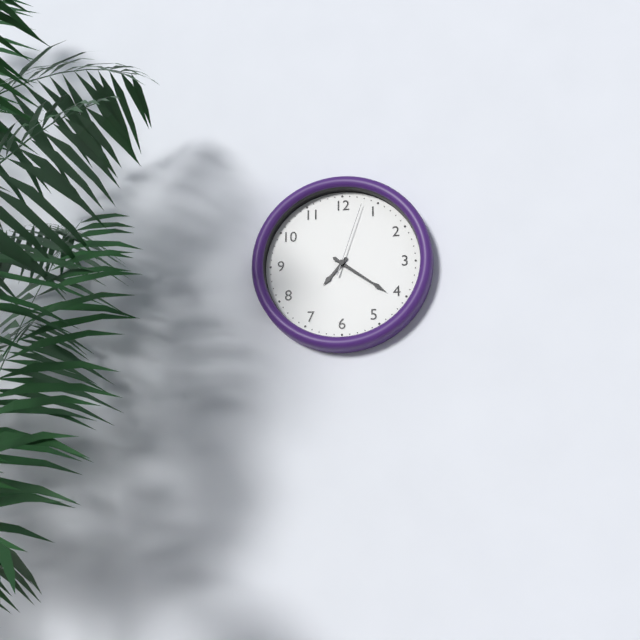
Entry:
7 h 21 min 03 s
